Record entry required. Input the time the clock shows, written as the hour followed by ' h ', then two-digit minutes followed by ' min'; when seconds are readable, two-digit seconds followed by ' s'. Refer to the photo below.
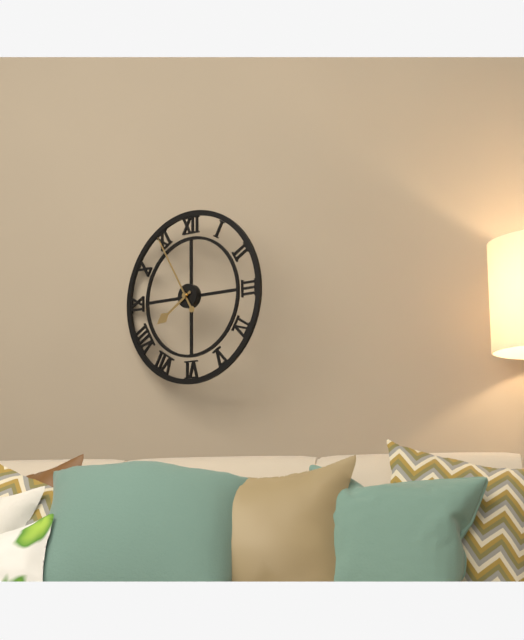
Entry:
7 h 55 min
